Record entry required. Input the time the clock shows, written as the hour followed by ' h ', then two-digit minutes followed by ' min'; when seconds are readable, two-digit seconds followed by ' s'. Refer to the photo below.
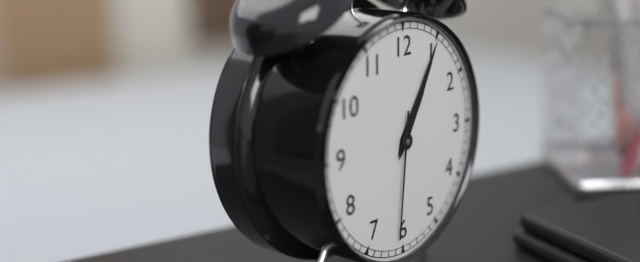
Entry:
1 h 05 min 31 s
